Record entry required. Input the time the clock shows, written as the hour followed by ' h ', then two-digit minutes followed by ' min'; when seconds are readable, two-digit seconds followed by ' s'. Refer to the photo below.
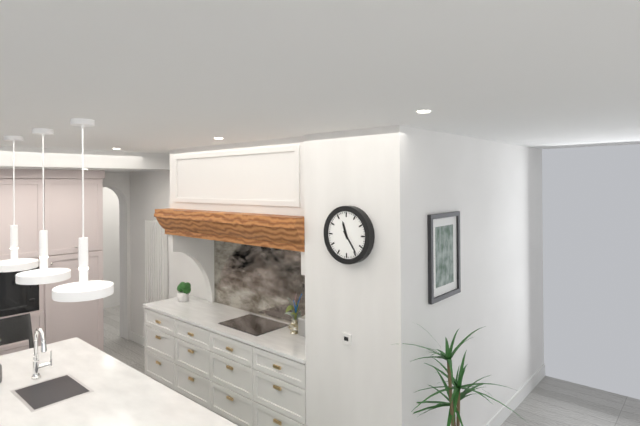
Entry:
11 h 24 min
